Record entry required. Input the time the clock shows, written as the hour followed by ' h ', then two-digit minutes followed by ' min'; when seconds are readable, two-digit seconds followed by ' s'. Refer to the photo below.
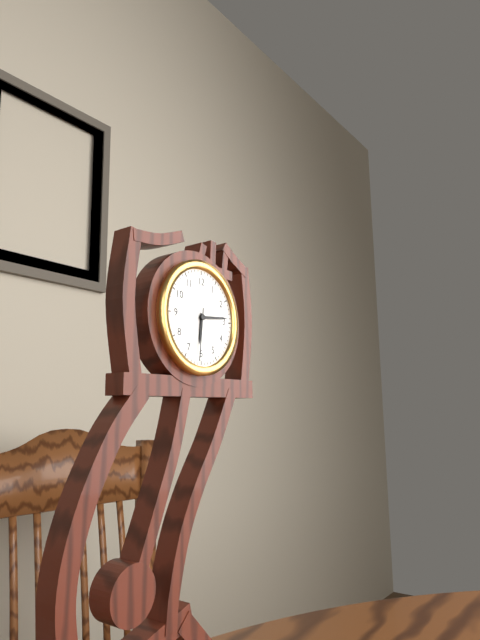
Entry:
6 h 14 min 31 s
